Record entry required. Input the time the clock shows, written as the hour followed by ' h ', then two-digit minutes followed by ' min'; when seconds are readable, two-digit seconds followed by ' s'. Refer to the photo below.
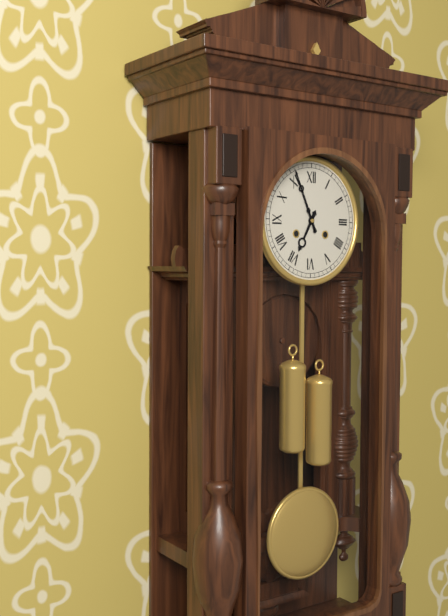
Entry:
6 h 56 min
